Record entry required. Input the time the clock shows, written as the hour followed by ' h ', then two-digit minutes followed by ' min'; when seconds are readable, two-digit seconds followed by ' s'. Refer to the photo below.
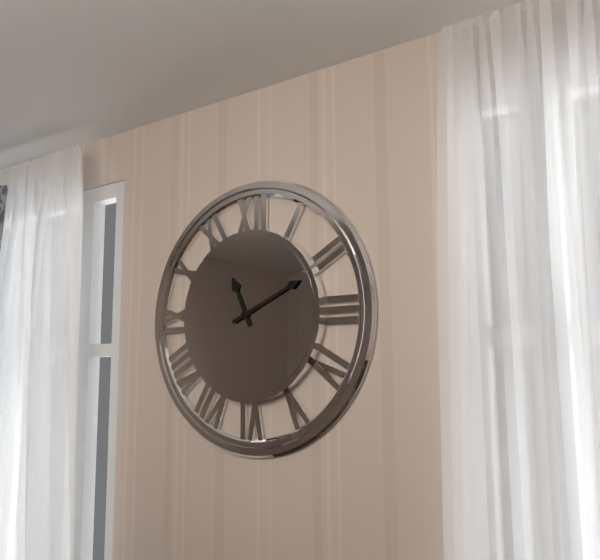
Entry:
11 h 11 min
